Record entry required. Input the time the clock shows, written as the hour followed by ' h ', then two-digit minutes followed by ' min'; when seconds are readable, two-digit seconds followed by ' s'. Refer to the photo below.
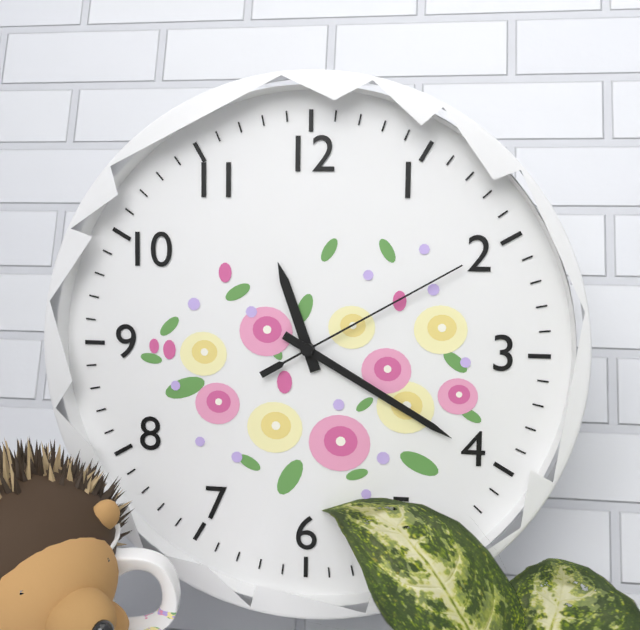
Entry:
11 h 20 min 10 s
